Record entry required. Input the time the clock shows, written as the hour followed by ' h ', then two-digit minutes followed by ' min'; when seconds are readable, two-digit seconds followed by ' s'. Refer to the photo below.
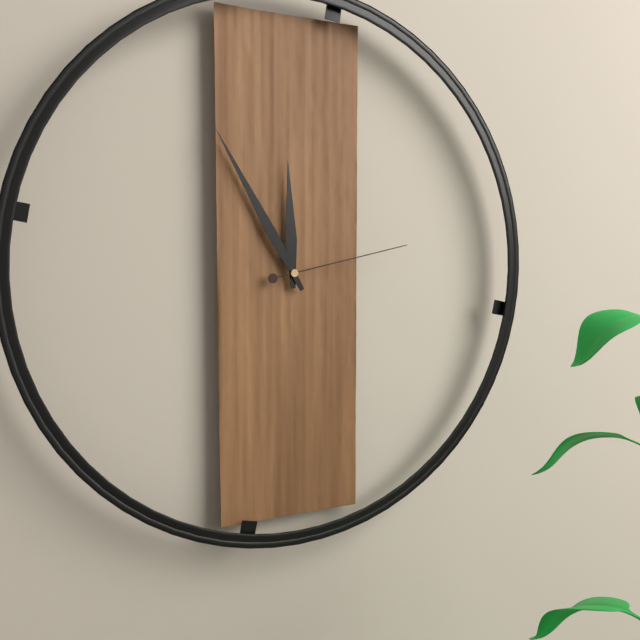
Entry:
11 h 55 min 13 s
